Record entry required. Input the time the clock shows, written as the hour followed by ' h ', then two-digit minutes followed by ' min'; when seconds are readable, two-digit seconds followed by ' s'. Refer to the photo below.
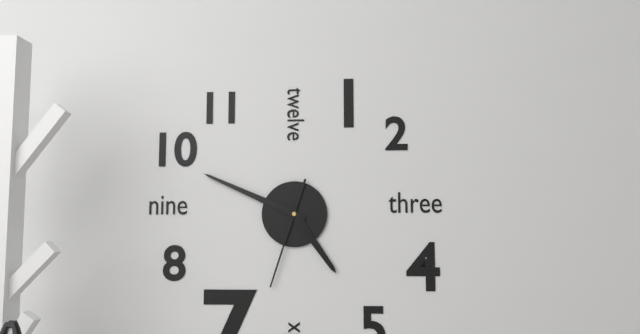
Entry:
4 h 49 min 33 s
